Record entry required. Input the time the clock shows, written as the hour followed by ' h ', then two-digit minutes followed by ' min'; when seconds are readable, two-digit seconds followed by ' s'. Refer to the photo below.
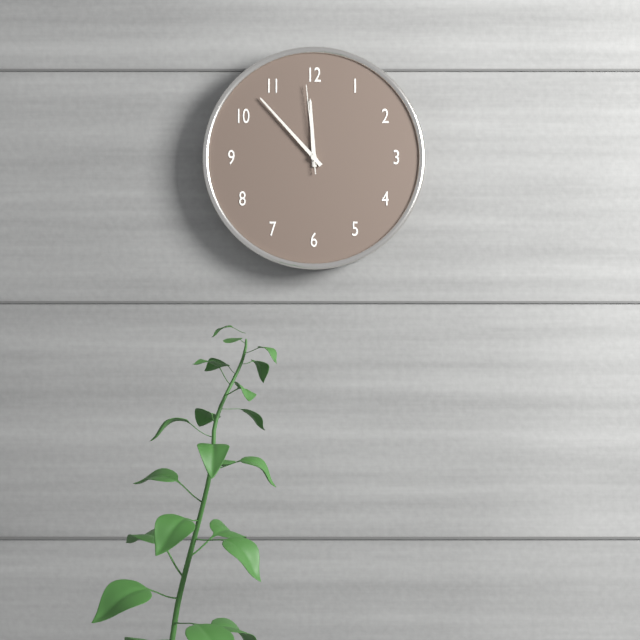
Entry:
11 h 53 min 59 s
